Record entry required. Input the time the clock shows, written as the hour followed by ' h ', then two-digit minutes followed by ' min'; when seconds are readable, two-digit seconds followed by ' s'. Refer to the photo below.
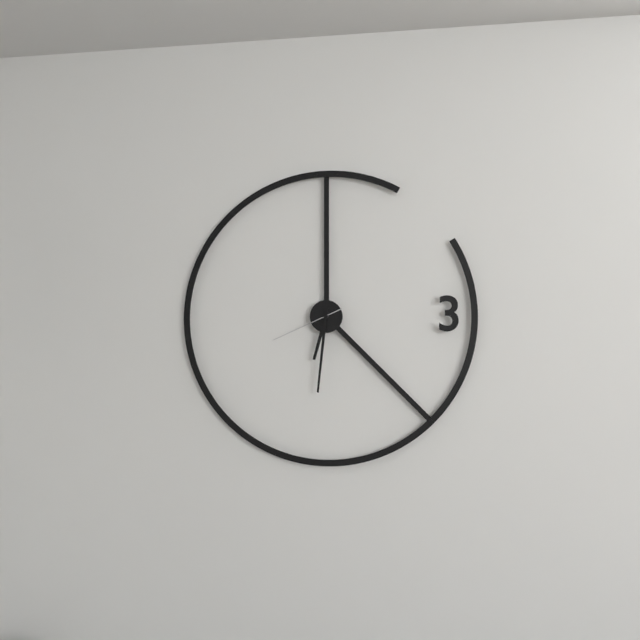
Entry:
6 h 31 min 41 s
